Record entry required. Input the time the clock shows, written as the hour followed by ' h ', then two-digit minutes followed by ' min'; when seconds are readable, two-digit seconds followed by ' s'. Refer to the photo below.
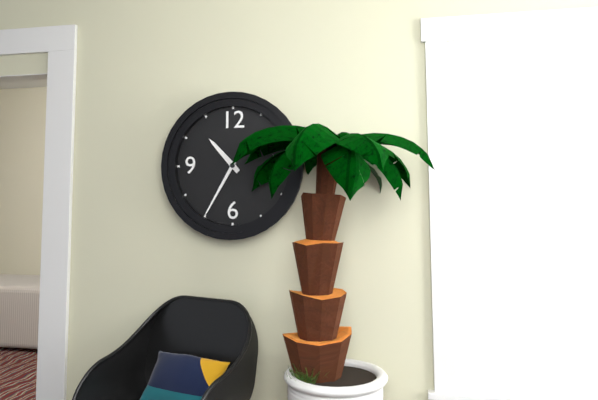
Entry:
10 h 35 min
